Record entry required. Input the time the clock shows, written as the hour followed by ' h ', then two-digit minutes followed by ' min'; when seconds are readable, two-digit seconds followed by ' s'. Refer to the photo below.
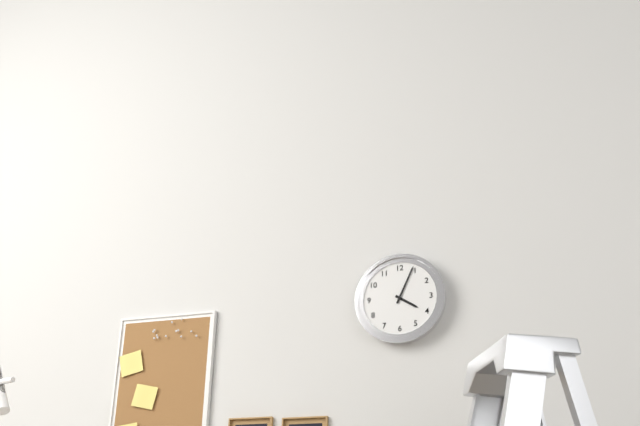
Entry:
4 h 04 min
